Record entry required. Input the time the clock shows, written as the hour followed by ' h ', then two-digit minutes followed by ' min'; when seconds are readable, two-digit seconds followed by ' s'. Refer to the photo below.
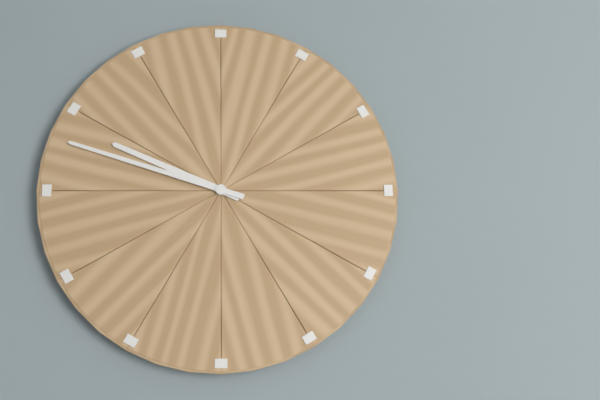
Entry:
9 h 48 min
